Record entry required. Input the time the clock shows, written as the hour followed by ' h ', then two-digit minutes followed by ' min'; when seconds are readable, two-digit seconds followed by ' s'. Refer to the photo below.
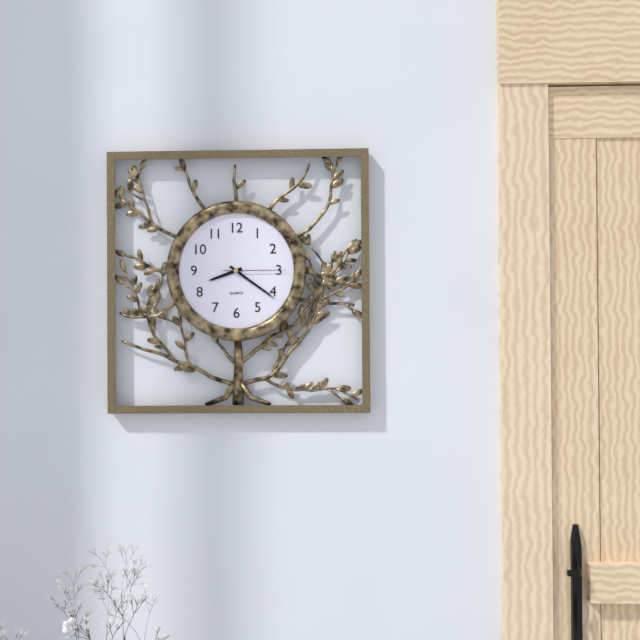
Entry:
8 h 21 min 15 s
